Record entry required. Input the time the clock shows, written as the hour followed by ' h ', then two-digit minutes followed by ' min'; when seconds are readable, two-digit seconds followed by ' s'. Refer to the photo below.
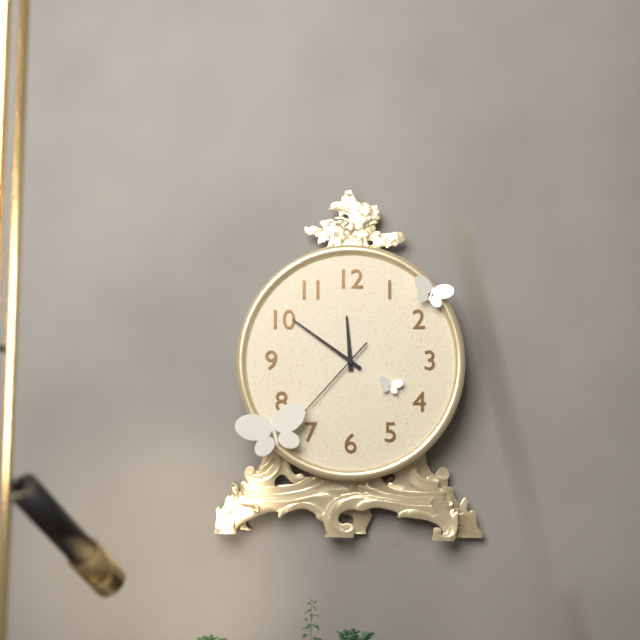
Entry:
11 h 51 min 37 s
